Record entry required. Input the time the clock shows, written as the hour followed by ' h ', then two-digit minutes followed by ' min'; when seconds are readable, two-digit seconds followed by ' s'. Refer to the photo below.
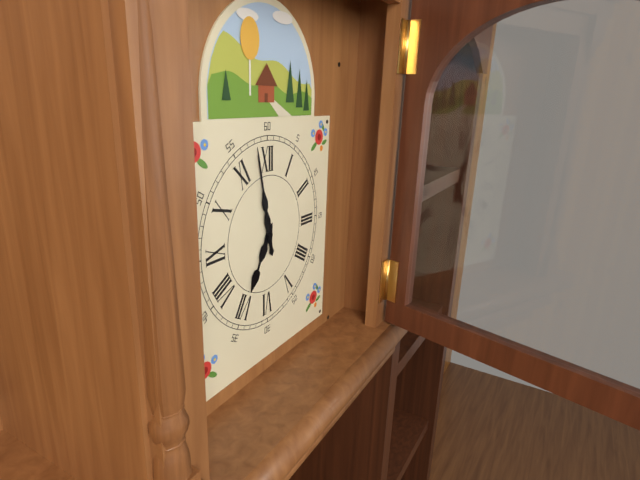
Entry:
6 h 58 min
